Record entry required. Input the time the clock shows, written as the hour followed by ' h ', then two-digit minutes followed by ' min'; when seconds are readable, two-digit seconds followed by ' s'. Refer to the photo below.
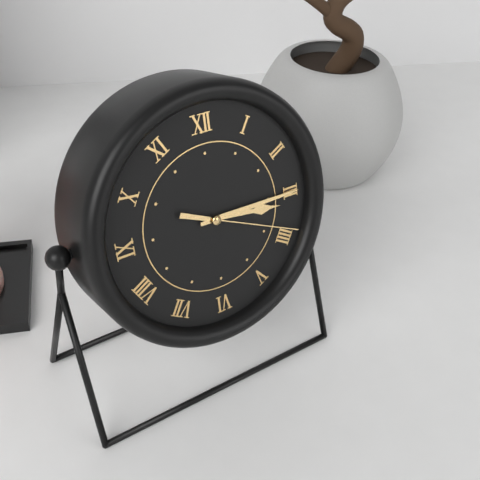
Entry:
3 h 15 min 19 s
